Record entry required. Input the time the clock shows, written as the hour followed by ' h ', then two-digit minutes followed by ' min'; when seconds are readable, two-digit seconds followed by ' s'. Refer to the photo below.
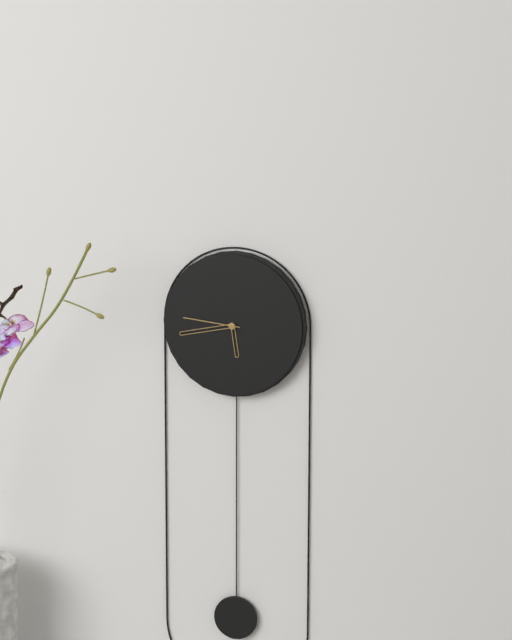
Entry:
5 h 43 min 46 s
